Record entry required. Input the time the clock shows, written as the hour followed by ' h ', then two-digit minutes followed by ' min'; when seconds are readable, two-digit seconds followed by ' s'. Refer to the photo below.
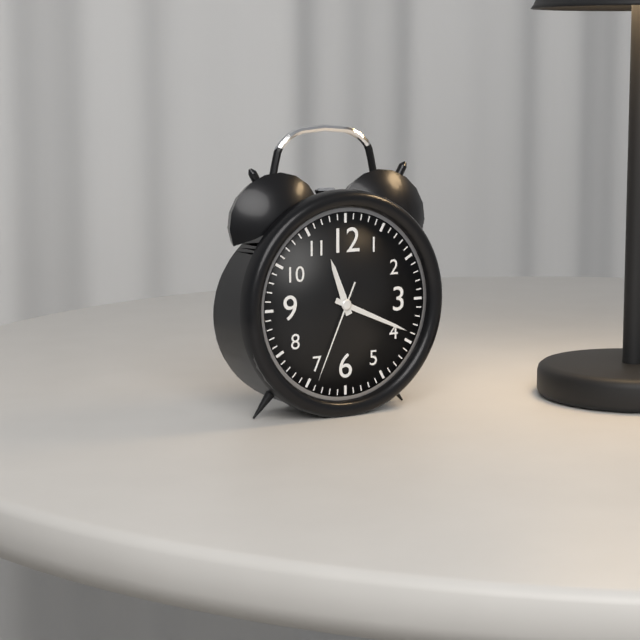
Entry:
11 h 19 min 34 s
